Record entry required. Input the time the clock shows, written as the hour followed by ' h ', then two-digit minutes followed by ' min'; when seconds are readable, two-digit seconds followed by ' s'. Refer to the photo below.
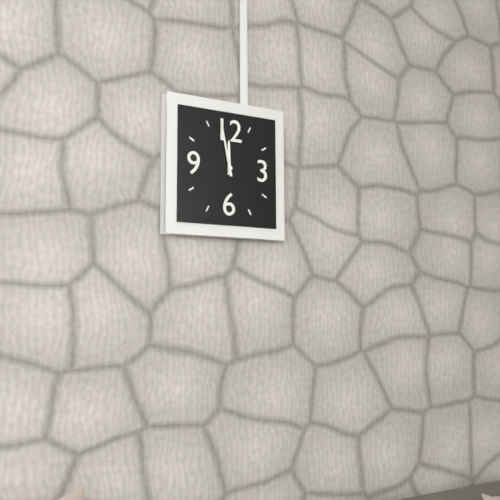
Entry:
11 h 58 min
